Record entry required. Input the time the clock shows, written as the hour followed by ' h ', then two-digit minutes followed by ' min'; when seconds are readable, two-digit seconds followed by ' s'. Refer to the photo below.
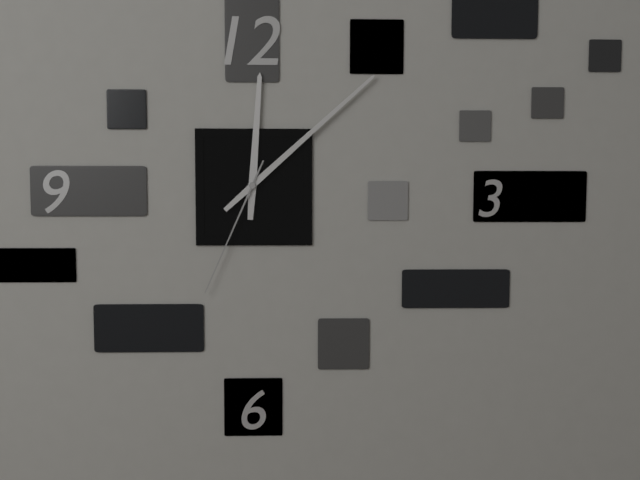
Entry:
12 h 08 min 34 s
